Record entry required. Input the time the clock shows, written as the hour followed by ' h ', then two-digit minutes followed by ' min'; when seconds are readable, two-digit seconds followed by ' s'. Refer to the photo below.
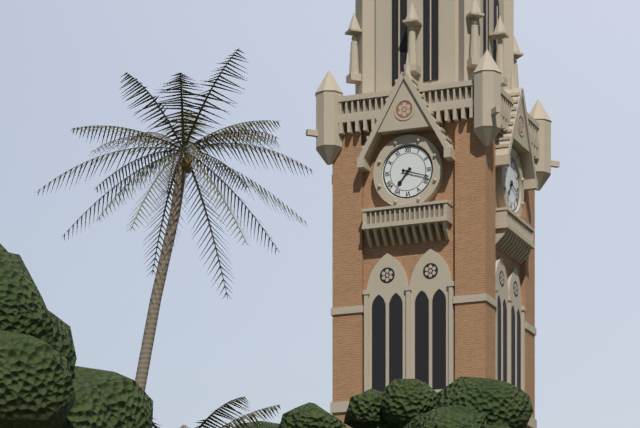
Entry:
7 h 18 min
